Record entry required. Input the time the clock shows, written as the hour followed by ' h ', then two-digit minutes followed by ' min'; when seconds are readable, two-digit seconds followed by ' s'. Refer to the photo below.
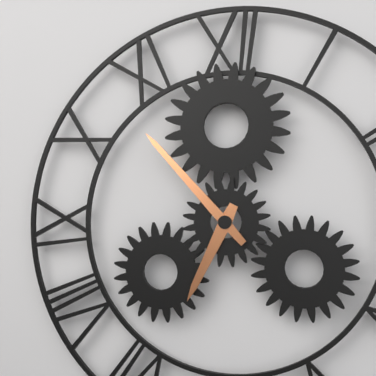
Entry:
6 h 53 min
